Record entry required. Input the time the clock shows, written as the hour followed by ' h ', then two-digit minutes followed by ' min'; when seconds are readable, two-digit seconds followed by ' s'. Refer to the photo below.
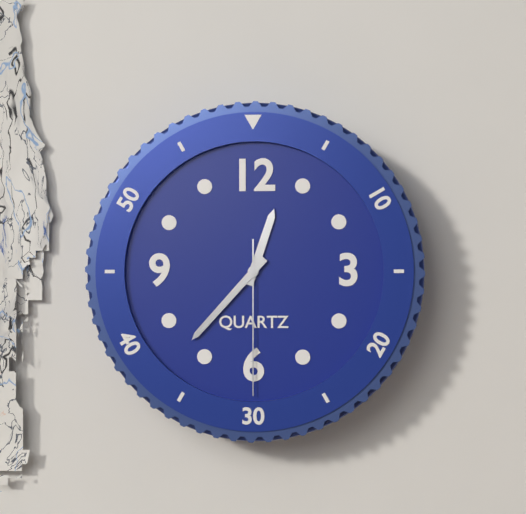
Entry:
12 h 37 min 30 s
